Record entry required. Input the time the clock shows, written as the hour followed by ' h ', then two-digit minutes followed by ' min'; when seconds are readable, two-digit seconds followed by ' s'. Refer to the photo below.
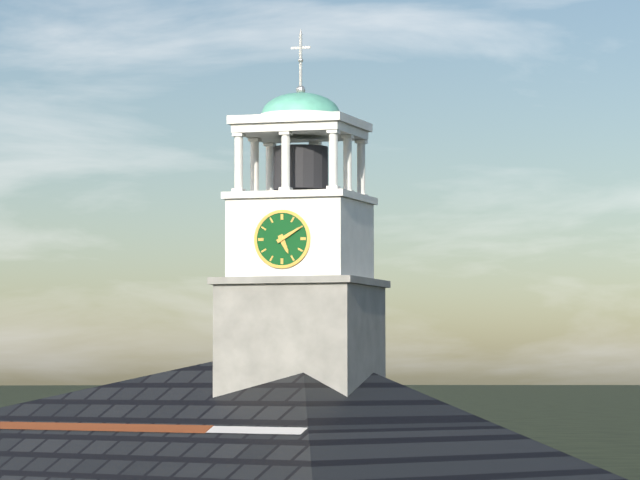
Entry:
5 h 10 min
